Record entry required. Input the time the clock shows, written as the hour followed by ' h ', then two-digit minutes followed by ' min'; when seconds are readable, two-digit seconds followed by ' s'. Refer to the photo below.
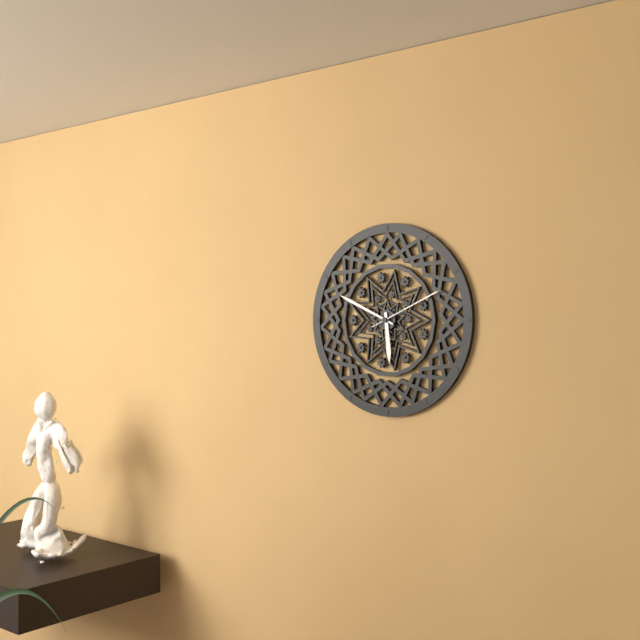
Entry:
5 h 49 min 11 s
